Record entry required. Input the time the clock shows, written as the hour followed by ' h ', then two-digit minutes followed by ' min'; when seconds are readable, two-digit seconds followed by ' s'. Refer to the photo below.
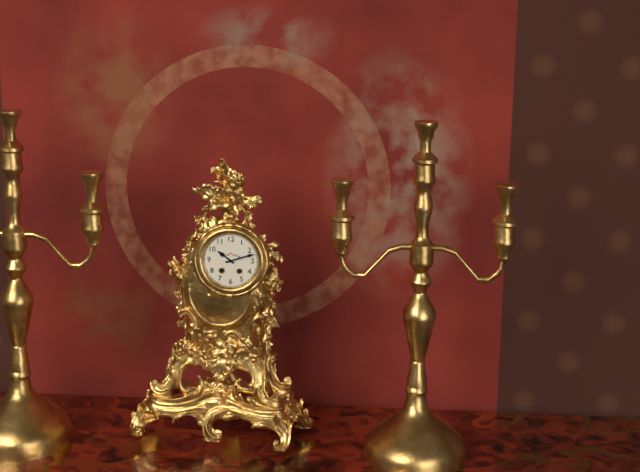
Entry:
10 h 12 min
